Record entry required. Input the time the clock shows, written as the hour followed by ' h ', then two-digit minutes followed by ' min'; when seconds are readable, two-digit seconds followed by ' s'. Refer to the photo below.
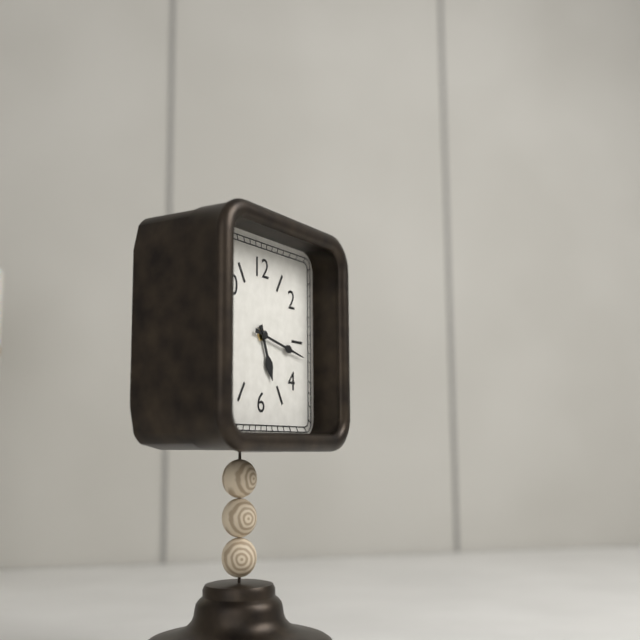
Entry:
5 h 17 min
